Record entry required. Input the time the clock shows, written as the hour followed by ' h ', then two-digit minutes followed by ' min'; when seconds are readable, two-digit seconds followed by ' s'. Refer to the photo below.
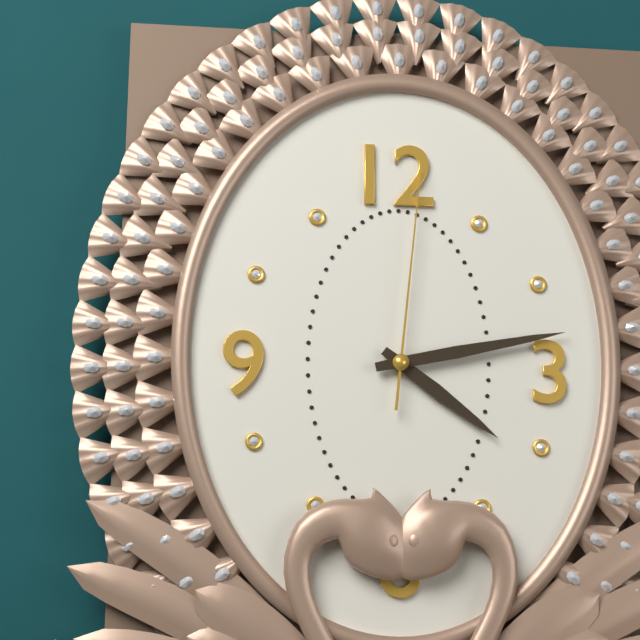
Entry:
4 h 13 min 01 s
